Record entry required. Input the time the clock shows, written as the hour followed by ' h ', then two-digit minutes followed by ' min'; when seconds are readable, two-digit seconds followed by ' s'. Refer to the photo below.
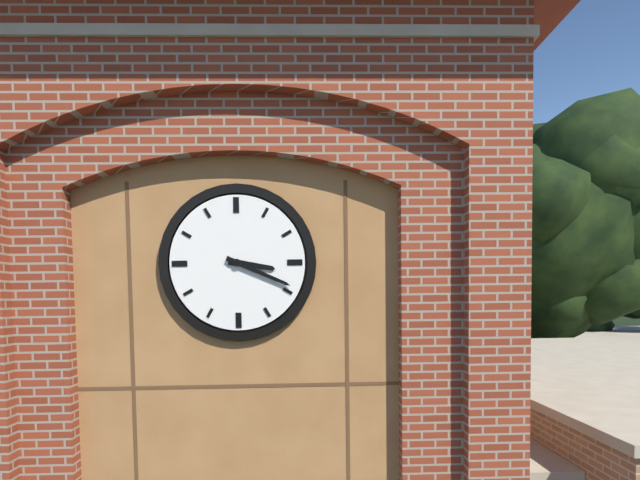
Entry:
3 h 19 min
